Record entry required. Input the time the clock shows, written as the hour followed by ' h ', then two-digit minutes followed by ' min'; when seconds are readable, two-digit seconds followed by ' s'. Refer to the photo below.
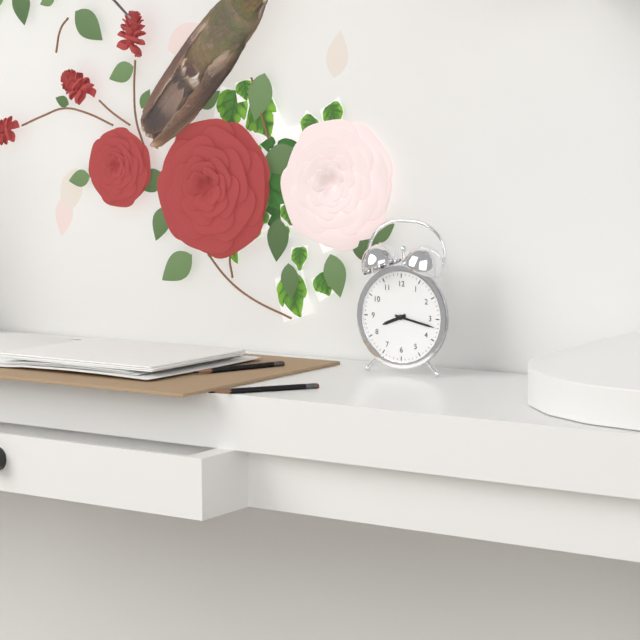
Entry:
8 h 17 min
